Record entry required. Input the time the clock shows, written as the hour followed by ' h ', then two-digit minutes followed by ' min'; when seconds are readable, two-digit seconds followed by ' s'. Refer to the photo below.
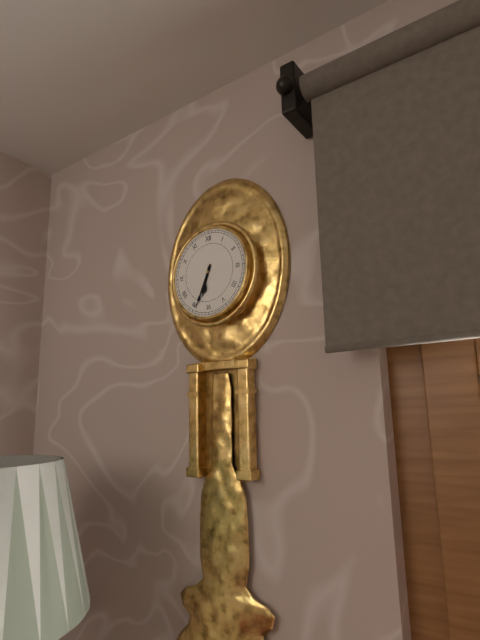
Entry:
6 h 34 min
